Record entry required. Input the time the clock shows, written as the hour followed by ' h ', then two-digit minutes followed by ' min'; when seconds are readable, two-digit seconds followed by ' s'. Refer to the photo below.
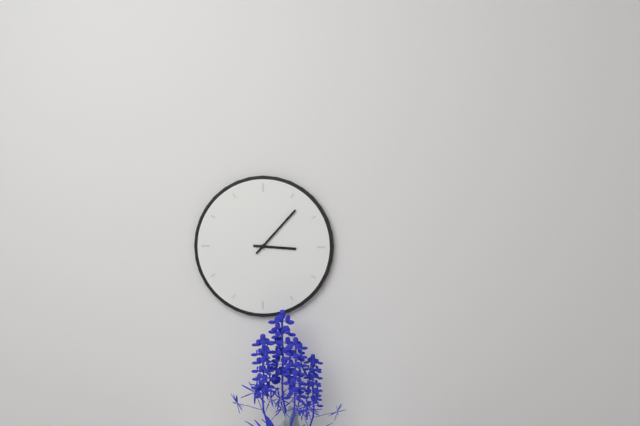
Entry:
3 h 07 min
